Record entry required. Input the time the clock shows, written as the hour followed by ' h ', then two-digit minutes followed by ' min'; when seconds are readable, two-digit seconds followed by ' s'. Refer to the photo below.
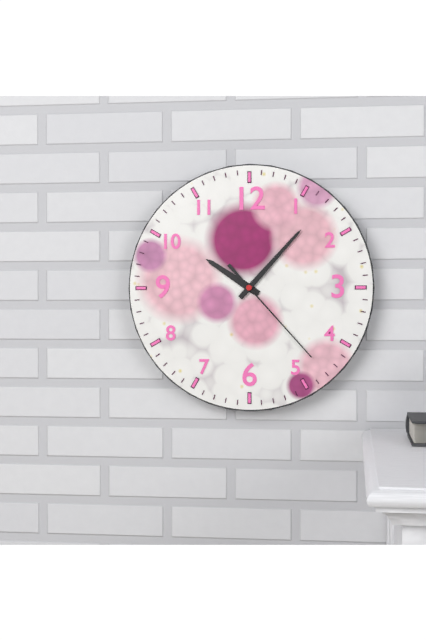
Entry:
10 h 07 min 23 s
